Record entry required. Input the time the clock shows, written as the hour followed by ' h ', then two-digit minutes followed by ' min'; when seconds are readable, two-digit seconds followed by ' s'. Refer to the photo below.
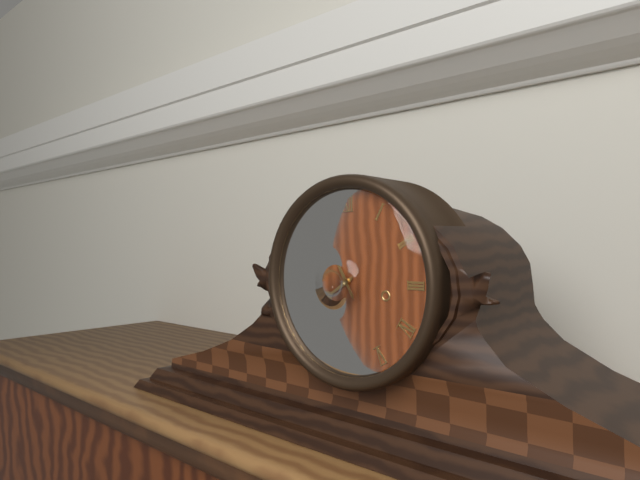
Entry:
7 h 55 min
